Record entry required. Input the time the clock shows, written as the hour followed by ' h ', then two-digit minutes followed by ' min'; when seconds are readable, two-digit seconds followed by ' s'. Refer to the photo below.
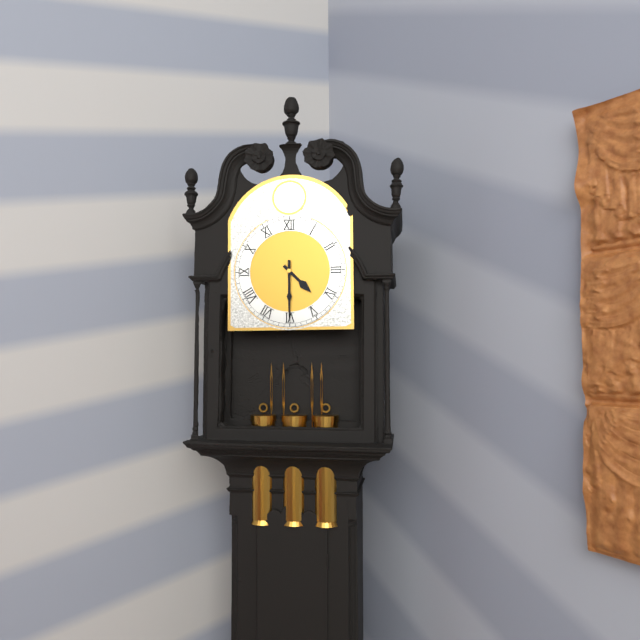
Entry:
4 h 30 min
